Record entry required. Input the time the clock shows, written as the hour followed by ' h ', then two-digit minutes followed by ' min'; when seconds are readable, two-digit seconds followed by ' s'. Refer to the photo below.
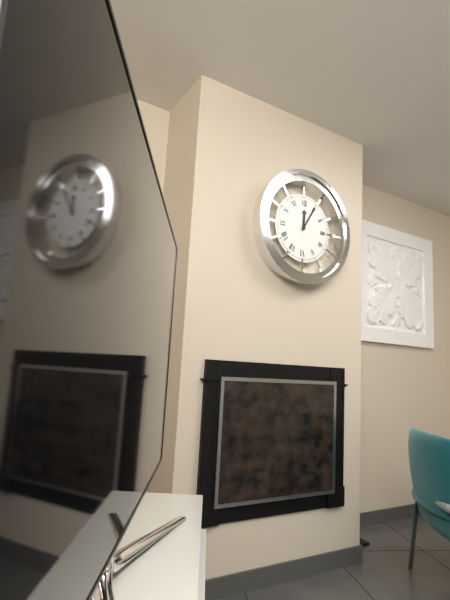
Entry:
12 h 05 min
